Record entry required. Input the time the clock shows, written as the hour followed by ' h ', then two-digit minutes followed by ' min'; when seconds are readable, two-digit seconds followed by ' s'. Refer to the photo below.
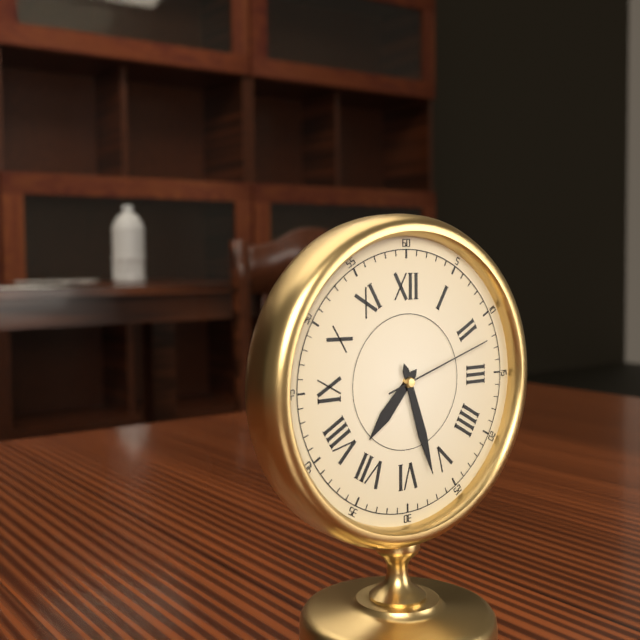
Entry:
7 h 27 min 12 s
